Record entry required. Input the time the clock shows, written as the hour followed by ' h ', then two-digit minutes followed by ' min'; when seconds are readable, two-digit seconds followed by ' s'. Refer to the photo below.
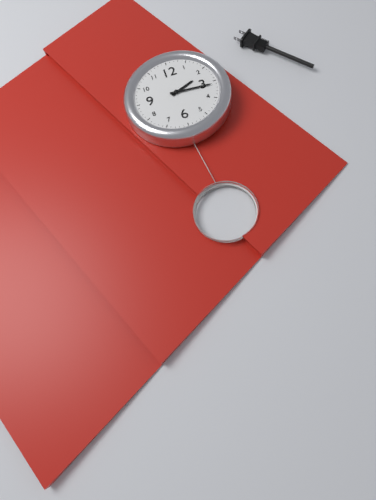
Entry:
2 h 16 min
